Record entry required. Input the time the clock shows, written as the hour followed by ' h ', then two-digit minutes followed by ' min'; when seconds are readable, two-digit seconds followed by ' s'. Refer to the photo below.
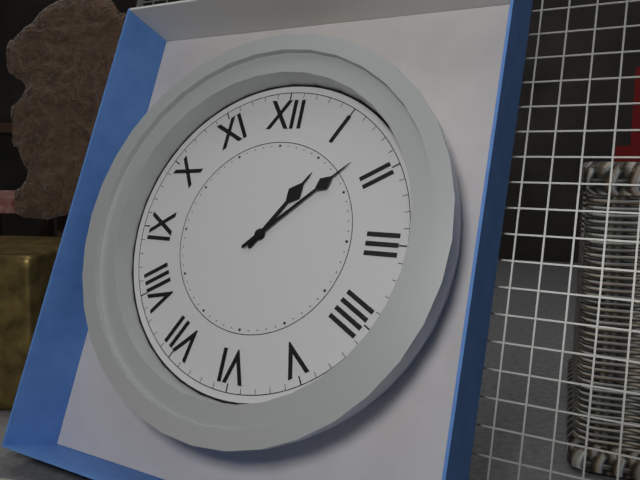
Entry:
1 h 08 min
